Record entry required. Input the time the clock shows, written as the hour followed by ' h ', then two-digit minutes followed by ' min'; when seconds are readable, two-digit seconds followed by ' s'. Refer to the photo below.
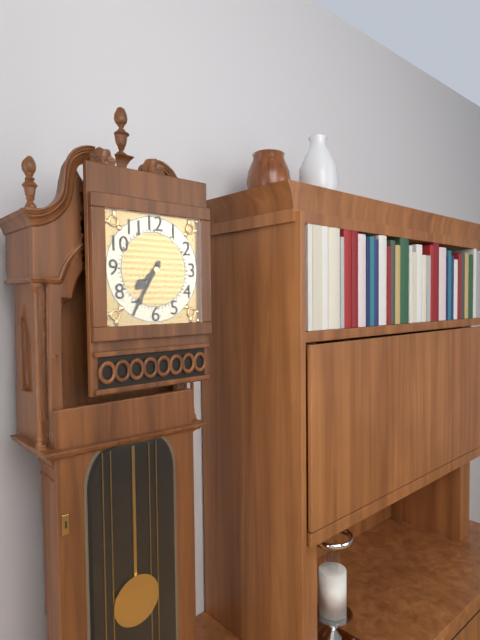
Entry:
7 h 35 min
